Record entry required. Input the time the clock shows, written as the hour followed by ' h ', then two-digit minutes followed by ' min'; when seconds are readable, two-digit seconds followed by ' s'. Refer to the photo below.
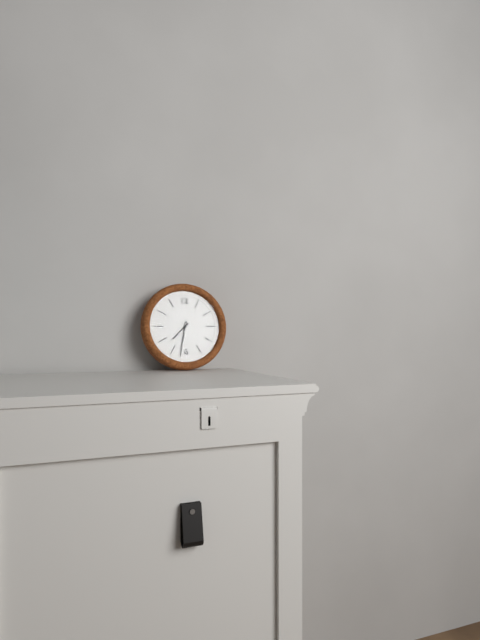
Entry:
7 h 32 min
